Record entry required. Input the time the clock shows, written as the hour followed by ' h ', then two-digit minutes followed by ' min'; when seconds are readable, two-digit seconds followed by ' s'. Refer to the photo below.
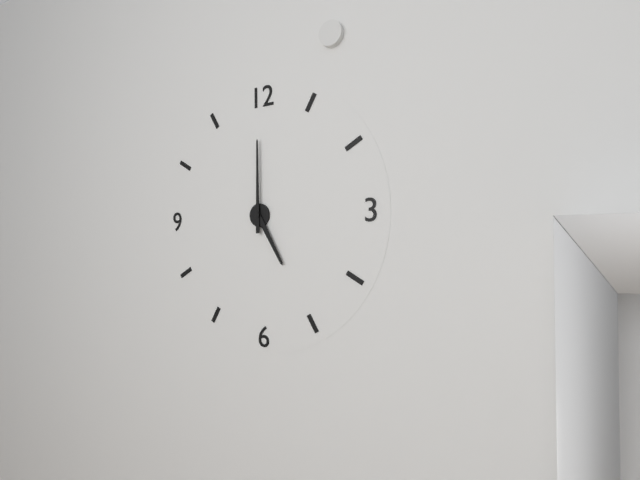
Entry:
5 h 00 min
